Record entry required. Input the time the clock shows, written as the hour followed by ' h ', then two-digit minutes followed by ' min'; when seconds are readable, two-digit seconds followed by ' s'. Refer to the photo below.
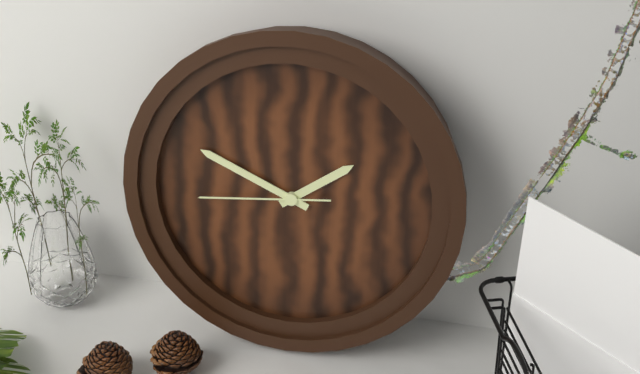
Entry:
1 h 49 min 44 s
